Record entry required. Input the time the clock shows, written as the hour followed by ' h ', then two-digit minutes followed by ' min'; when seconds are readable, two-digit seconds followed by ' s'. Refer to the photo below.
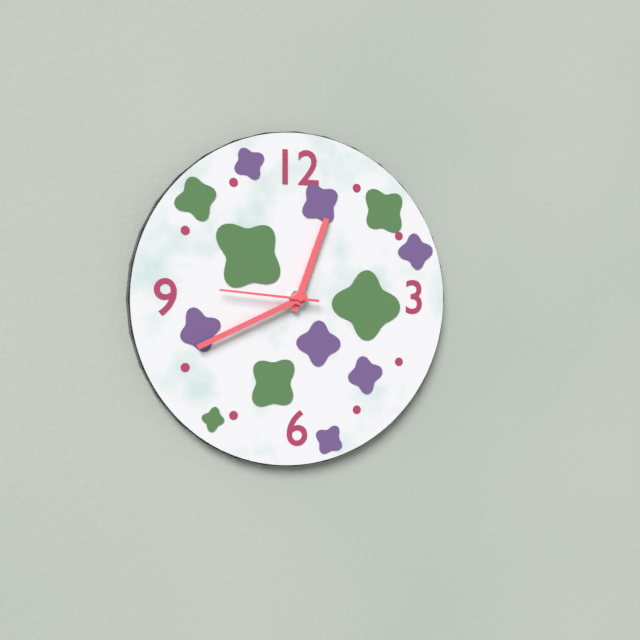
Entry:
12 h 41 min 46 s
